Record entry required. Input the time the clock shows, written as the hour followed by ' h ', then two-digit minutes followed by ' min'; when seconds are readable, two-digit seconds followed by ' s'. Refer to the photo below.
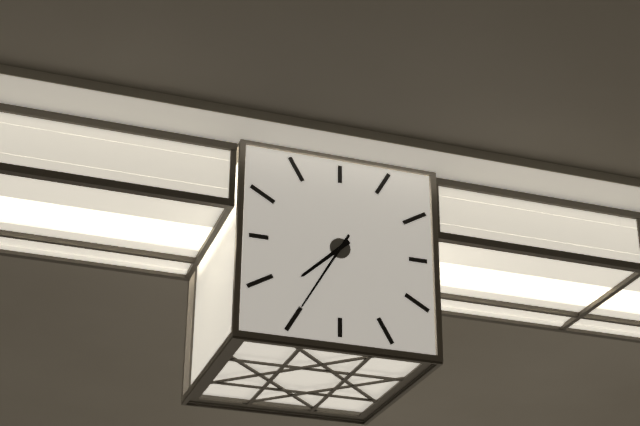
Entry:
7 h 35 min
